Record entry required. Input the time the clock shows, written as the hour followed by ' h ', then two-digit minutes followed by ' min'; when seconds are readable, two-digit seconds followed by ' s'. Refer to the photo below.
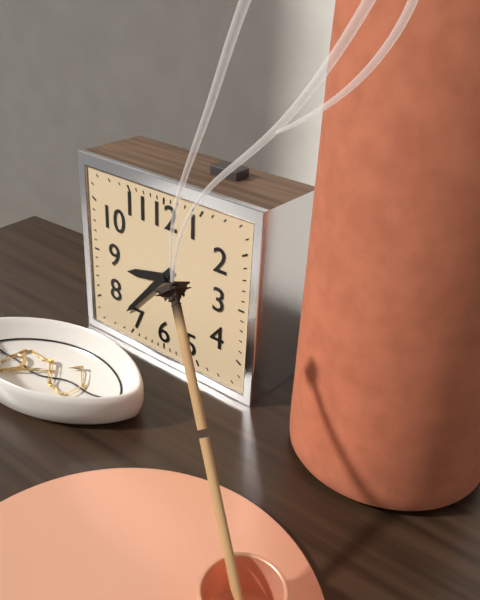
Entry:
8 h 37 min
